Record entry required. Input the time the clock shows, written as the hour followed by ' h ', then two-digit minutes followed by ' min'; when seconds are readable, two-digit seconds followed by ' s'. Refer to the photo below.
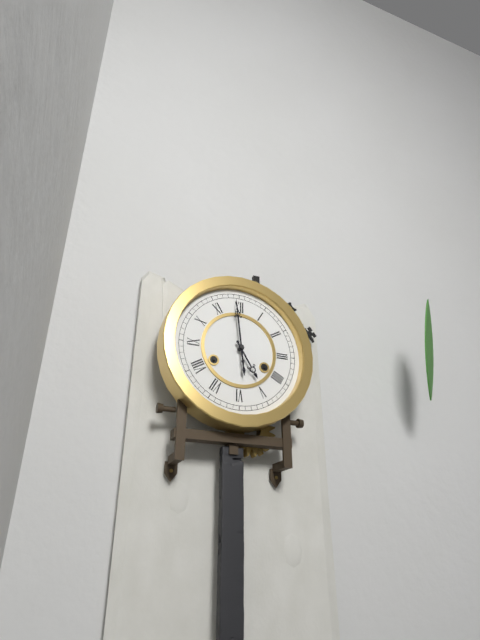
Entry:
4 h 59 min
